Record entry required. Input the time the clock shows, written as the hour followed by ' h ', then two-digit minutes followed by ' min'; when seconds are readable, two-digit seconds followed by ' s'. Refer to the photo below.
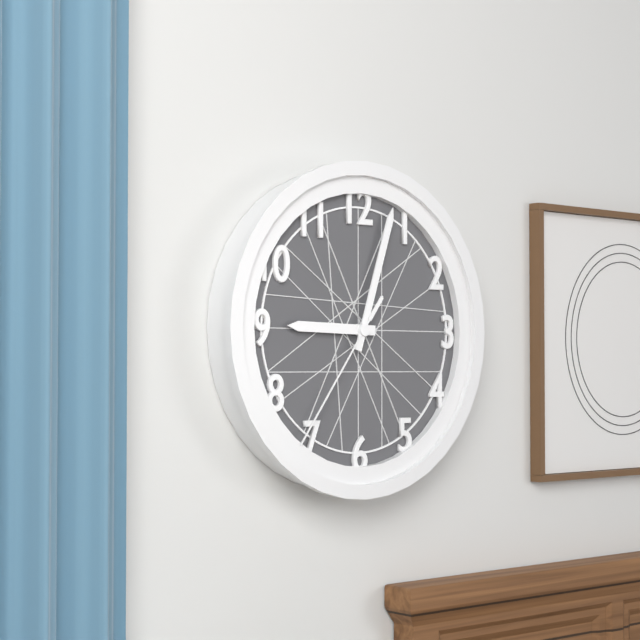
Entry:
9 h 03 min 36 s
